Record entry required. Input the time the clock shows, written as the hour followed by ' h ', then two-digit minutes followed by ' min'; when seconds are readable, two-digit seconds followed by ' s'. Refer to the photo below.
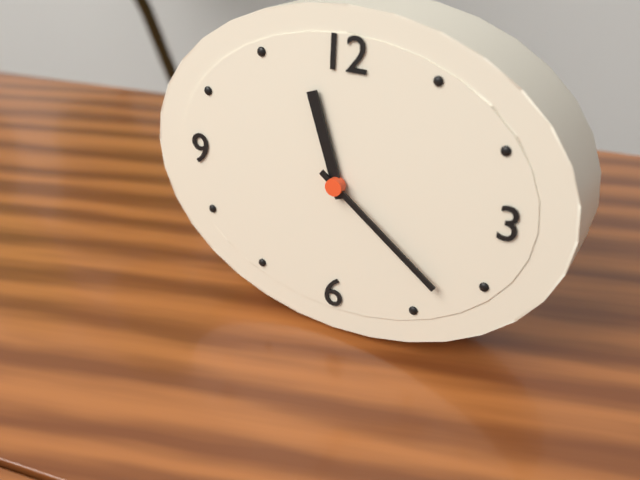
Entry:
11 h 21 min
